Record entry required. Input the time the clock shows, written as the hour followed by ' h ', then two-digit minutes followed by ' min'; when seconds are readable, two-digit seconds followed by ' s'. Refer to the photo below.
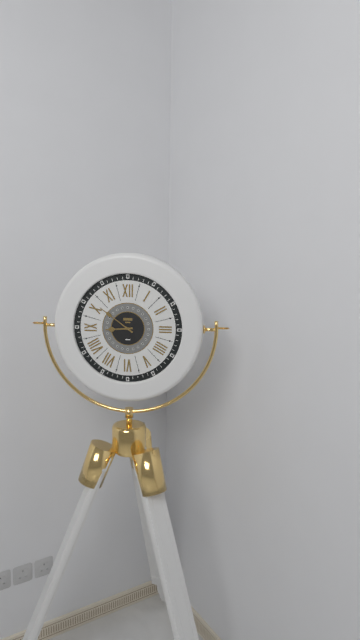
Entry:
8 h 51 min
